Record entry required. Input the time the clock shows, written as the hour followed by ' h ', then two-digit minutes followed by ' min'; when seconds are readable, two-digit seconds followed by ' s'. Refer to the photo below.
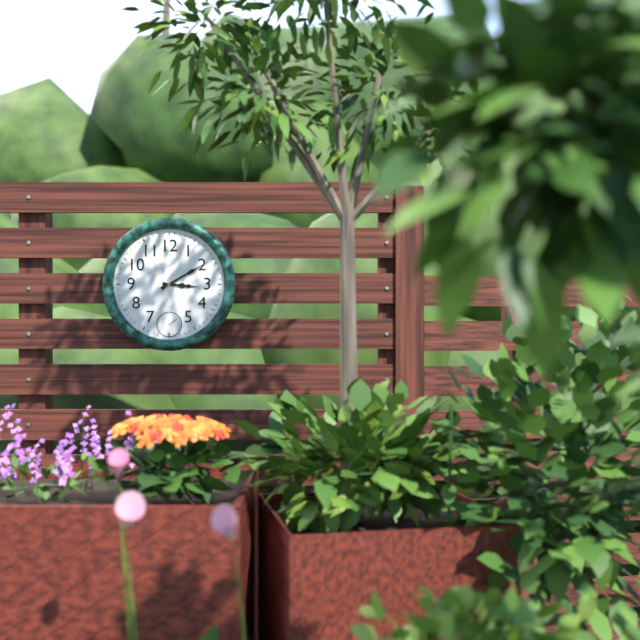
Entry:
3 h 10 min
